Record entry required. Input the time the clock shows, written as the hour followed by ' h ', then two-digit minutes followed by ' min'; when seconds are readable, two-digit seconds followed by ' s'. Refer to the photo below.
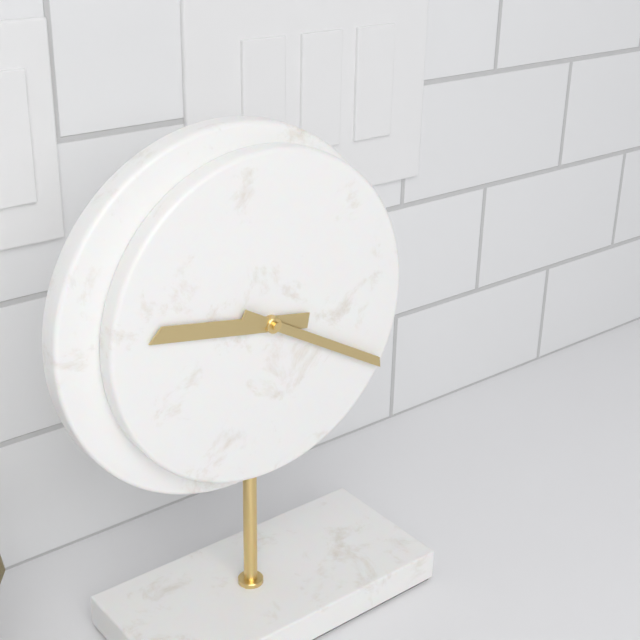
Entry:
9 h 20 min
